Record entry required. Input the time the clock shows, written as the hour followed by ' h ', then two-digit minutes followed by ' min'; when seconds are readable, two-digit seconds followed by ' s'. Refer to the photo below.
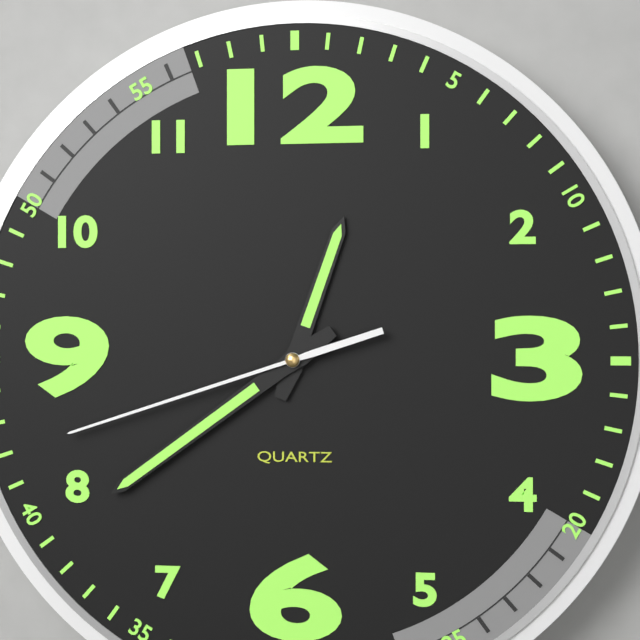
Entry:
12 h 39 min 42 s
